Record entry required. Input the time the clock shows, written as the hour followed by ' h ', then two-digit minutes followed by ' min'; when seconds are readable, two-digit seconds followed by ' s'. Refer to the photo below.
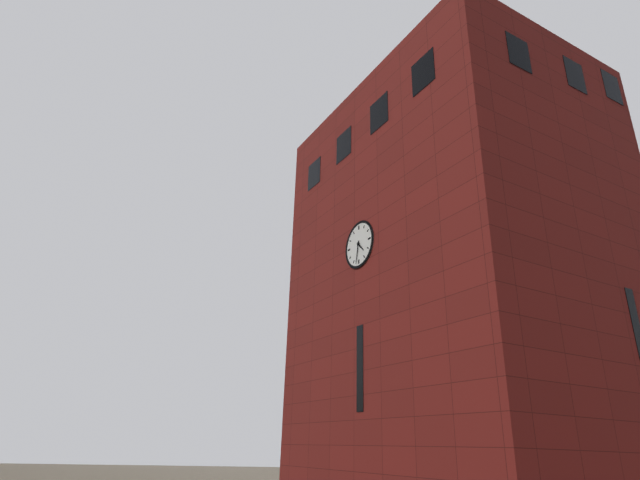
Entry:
4 h 32 min
